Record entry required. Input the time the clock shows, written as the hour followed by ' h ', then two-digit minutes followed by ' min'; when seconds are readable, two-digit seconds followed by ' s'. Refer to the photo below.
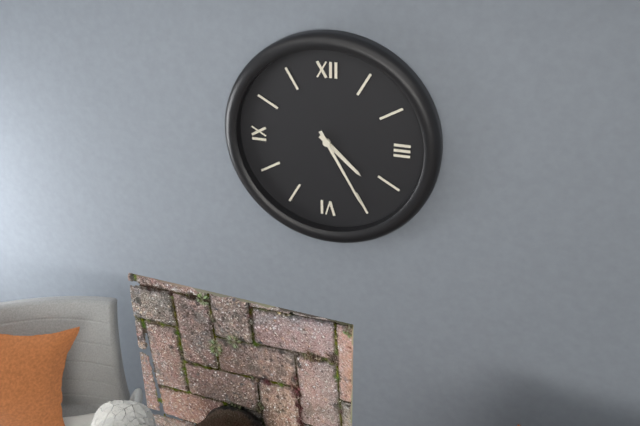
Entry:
4 h 25 min
